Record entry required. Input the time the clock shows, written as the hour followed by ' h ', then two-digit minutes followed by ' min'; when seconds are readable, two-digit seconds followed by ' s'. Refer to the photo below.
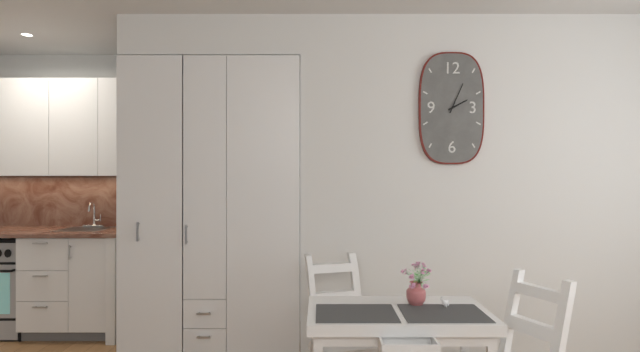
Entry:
2 h 04 min
